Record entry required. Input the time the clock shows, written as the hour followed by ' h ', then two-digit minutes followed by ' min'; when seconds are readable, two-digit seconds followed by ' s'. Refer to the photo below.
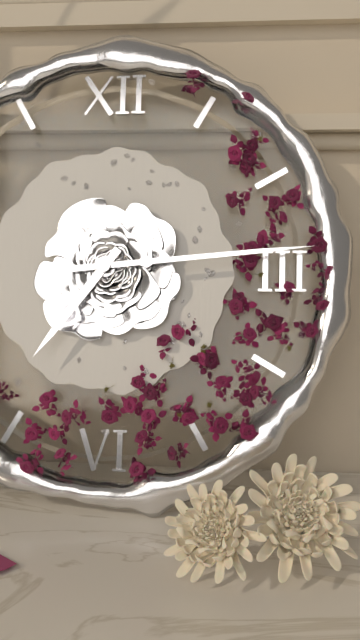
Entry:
7 h 14 min
